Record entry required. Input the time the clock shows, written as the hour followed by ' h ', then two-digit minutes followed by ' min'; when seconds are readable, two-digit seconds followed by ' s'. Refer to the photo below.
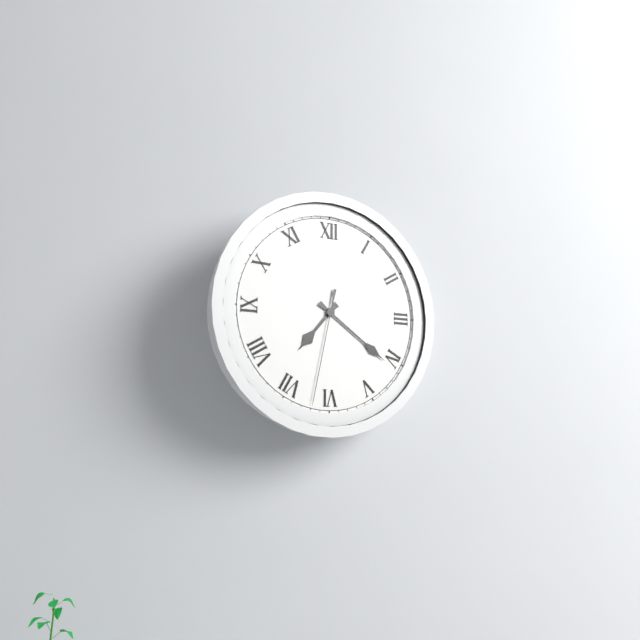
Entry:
7 h 21 min 32 s
